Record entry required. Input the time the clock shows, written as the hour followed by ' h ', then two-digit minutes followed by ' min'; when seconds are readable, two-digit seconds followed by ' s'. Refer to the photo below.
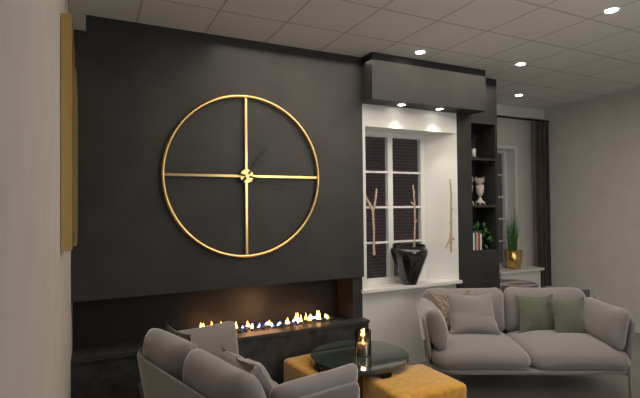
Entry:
1 h 17 min
